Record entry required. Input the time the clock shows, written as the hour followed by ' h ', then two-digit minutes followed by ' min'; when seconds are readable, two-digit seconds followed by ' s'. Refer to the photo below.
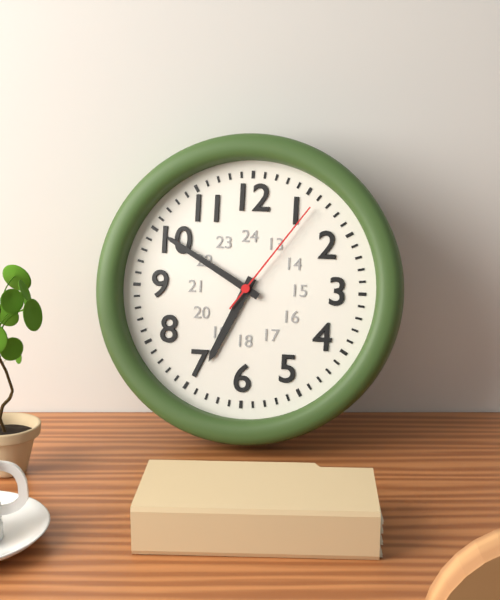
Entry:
6 h 50 min 06 s
